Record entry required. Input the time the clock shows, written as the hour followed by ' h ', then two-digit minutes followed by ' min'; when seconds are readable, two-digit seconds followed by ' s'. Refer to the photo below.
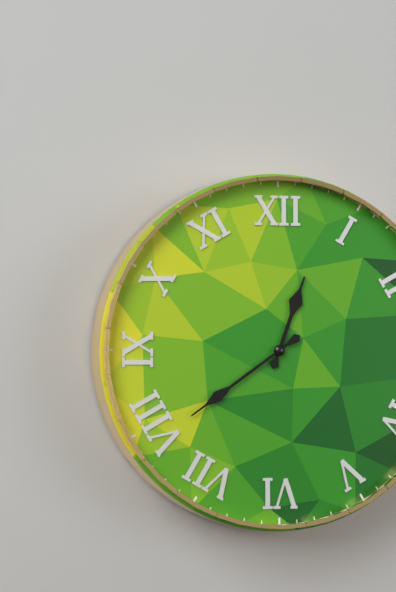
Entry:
12 h 39 min
